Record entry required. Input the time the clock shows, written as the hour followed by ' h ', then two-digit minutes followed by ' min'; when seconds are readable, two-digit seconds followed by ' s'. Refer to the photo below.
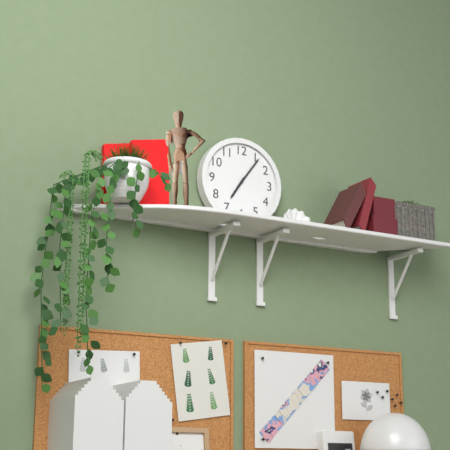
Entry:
7 h 06 min
